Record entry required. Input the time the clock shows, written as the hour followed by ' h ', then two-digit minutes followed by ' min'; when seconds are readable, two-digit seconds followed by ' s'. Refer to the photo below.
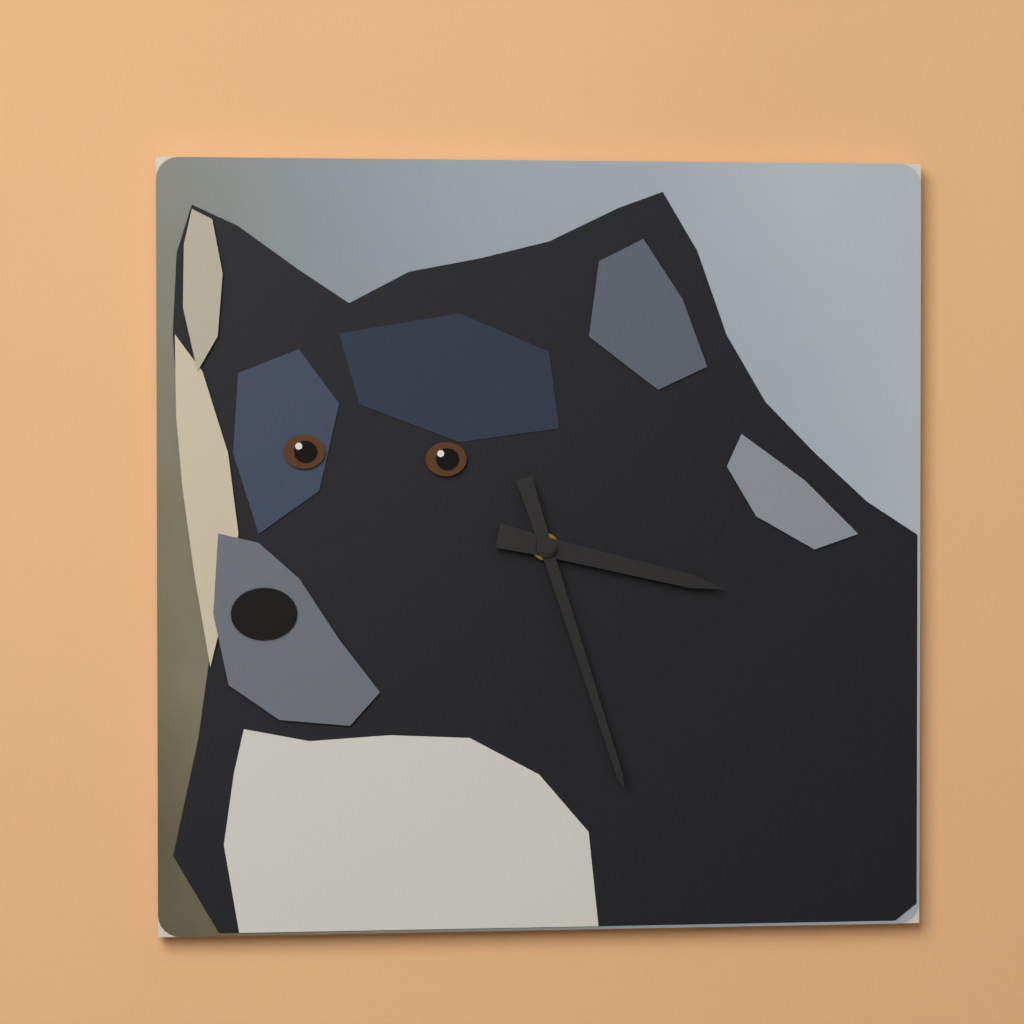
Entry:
3 h 27 min
